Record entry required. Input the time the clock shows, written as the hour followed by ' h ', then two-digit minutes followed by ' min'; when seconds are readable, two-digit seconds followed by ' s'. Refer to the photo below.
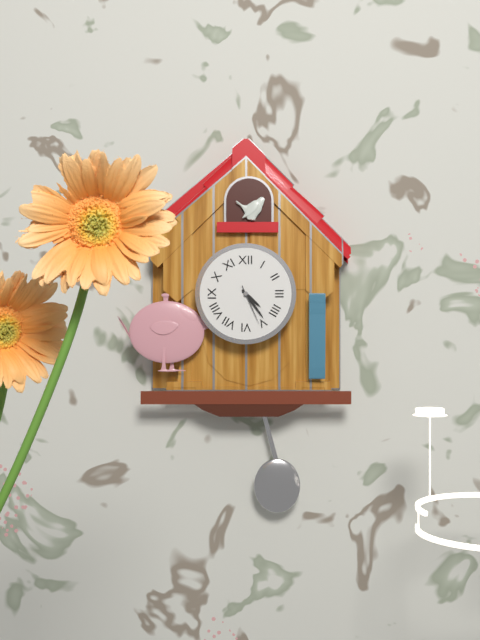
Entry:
4 h 24 min
